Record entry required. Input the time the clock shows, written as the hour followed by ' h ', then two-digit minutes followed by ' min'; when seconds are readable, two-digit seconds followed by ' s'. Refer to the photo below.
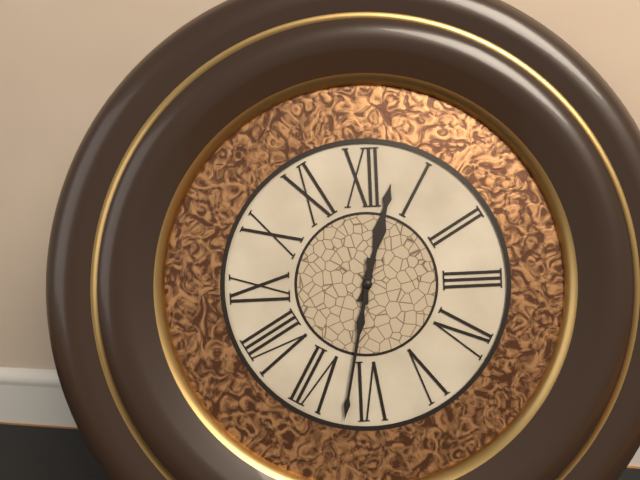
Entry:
12 h 32 min
